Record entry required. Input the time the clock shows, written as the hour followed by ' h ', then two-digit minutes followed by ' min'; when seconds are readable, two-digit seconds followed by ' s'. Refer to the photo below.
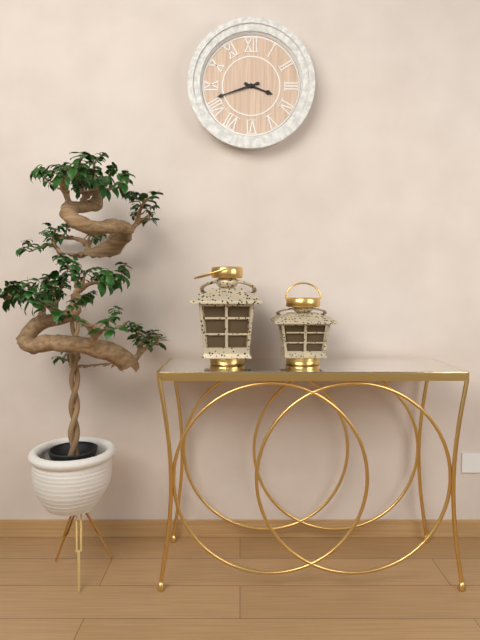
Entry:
3 h 42 min
